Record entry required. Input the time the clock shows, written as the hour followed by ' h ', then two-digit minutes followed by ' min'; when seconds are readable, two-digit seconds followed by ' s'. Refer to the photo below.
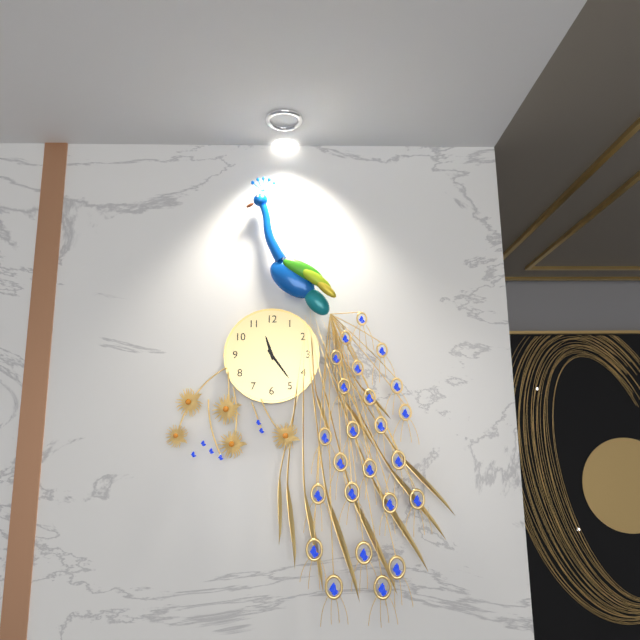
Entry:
11 h 24 min
